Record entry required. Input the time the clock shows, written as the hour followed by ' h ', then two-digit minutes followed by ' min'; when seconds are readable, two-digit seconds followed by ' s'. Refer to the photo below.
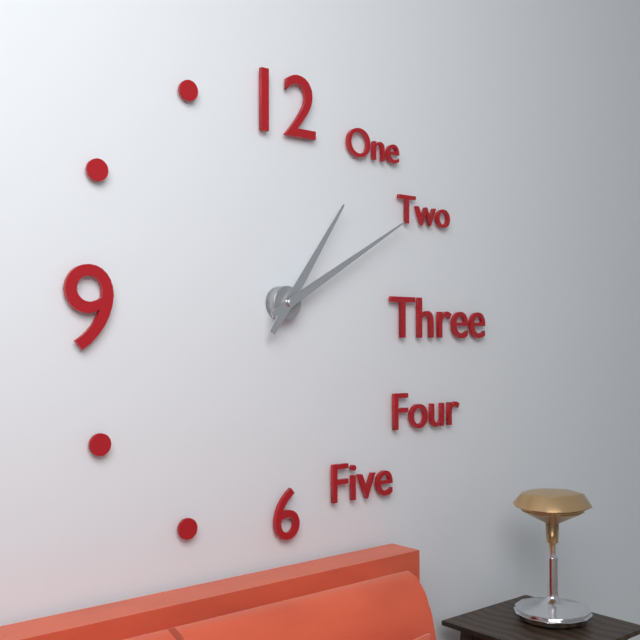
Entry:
1 h 10 min
